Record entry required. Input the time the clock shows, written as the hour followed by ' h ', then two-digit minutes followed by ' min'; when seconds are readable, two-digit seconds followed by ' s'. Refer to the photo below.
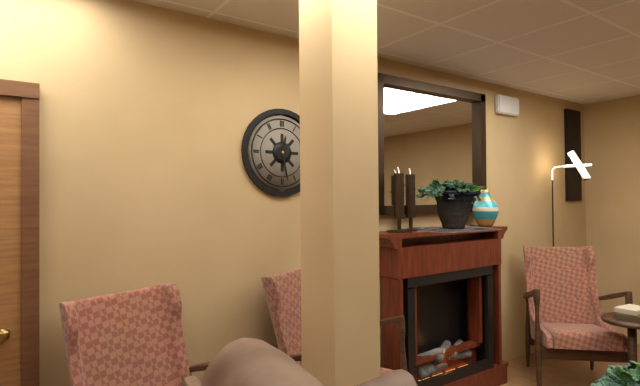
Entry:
12 h 28 min
